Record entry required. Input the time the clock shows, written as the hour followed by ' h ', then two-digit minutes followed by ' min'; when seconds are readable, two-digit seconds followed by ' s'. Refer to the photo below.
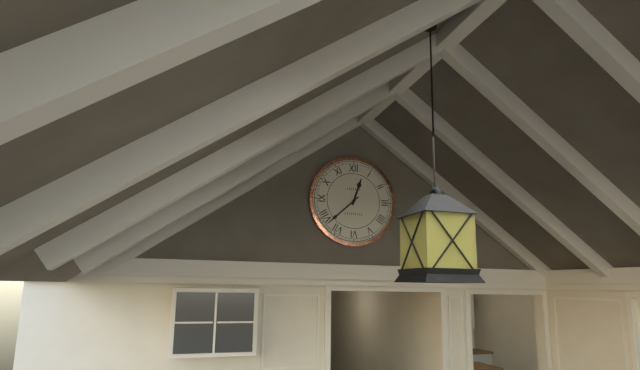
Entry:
12 h 38 min
